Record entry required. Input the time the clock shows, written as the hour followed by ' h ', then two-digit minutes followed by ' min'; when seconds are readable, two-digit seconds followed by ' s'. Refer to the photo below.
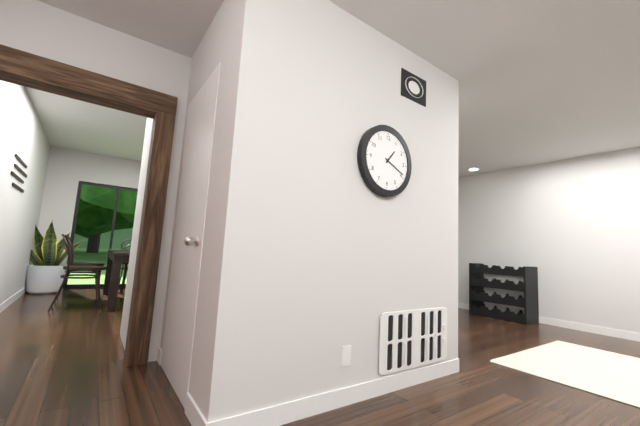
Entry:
1 h 19 min
